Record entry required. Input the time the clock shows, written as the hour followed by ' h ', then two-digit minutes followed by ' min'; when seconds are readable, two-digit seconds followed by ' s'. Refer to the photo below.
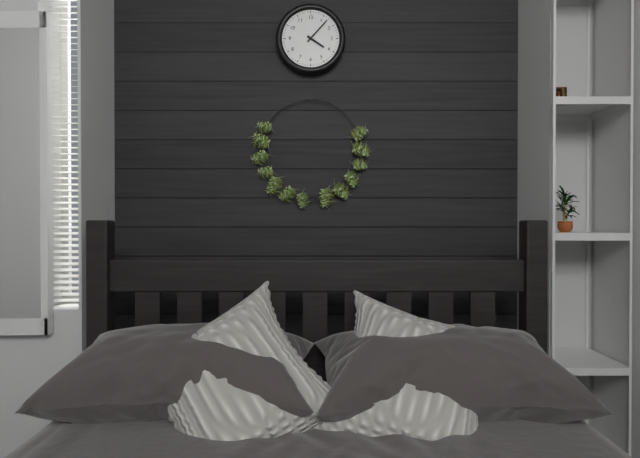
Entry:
4 h 07 min
